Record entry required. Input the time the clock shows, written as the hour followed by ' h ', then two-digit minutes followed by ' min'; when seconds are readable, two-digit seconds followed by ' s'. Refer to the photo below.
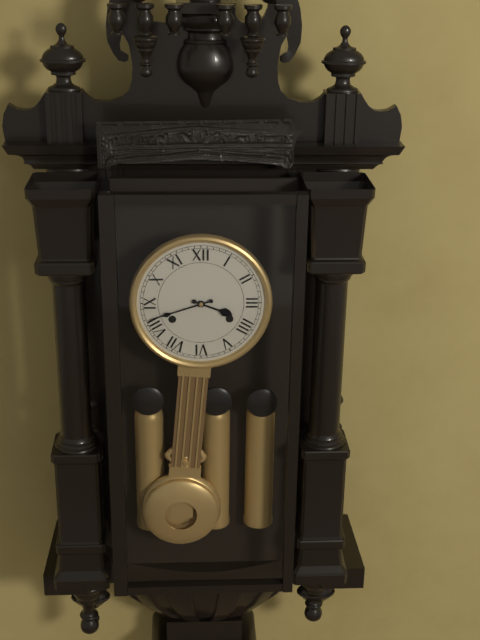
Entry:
3 h 42 min
